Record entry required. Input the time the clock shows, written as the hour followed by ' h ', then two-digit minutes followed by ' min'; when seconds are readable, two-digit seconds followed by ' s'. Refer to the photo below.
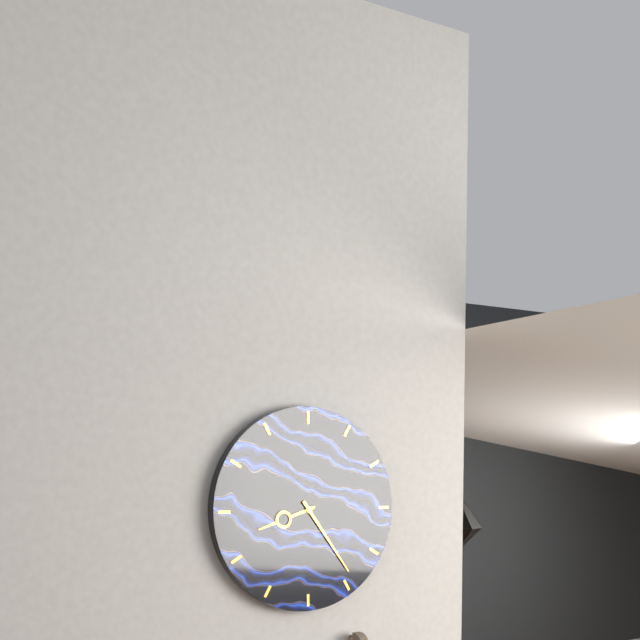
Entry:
8 h 24 min
